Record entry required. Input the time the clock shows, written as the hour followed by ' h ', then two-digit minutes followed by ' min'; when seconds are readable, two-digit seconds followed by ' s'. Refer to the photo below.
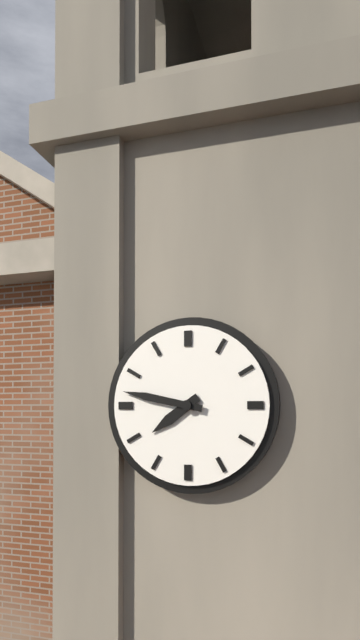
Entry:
7 h 47 min
